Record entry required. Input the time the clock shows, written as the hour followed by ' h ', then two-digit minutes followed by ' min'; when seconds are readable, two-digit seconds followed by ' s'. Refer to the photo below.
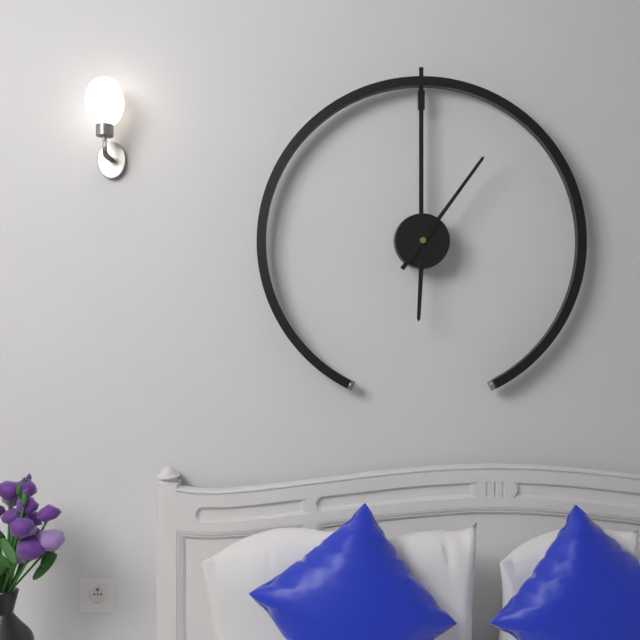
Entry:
6 h 06 min
